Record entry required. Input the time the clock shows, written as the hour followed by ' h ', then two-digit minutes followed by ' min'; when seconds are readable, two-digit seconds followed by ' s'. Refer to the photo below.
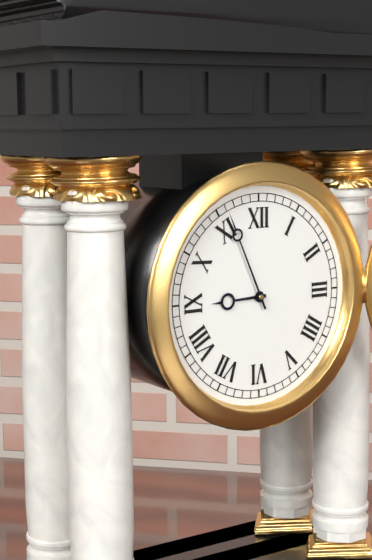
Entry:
8 h 56 min
